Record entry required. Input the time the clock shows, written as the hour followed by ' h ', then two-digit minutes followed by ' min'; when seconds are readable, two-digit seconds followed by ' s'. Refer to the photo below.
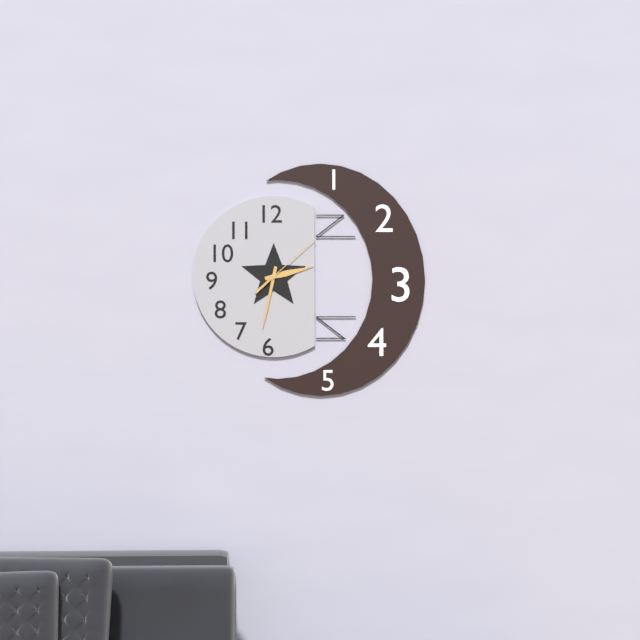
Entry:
2 h 32 min 08 s
